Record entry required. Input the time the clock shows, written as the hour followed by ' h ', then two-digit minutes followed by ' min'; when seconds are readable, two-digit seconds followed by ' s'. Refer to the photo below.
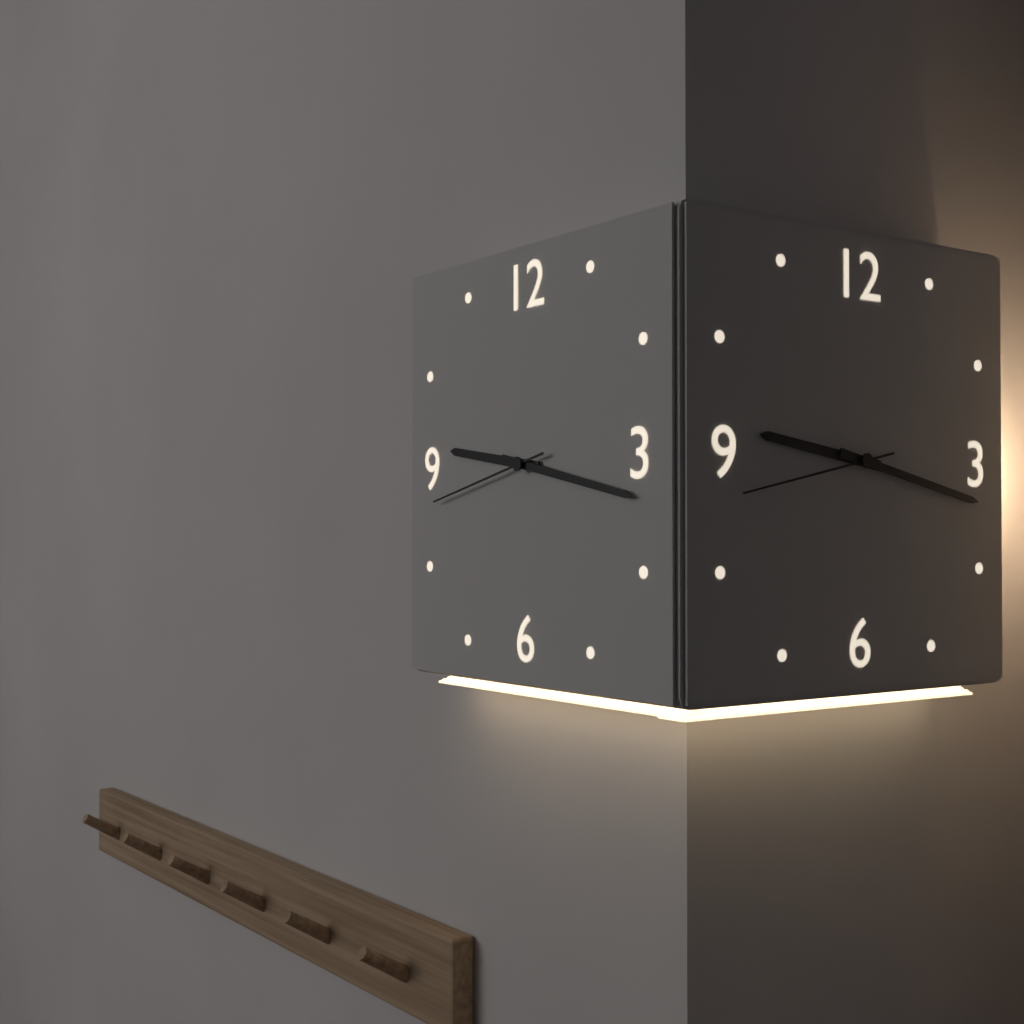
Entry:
9 h 17 min 43 s
